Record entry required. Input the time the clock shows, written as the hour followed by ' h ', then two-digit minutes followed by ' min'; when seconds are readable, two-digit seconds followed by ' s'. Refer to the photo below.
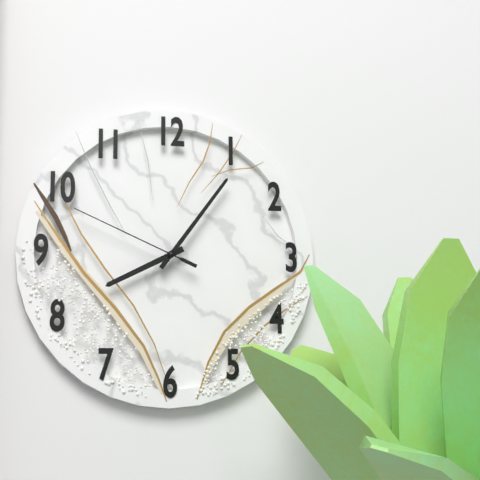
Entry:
8 h 06 min 49 s
